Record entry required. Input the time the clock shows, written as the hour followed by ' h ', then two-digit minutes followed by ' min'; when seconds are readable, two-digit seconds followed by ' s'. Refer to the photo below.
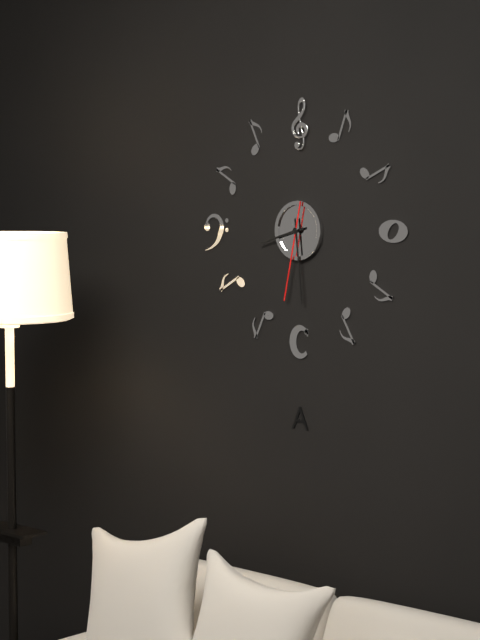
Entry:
8 h 29 min 32 s
